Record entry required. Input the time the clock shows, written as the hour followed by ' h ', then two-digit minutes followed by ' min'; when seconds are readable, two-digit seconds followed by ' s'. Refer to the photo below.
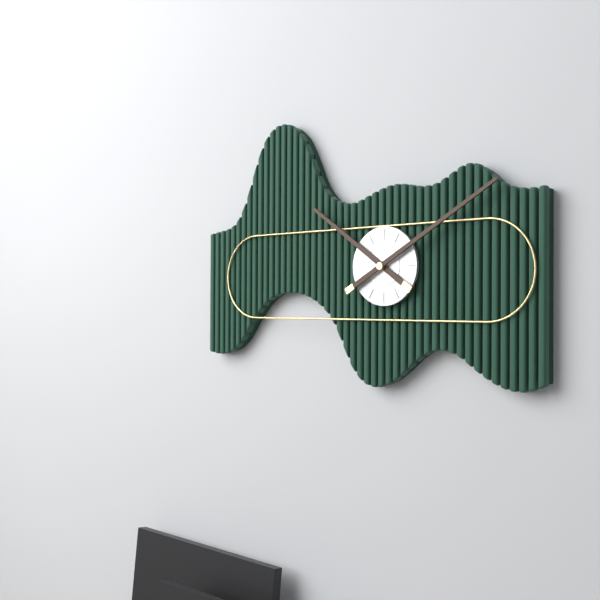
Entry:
10 h 10 min
